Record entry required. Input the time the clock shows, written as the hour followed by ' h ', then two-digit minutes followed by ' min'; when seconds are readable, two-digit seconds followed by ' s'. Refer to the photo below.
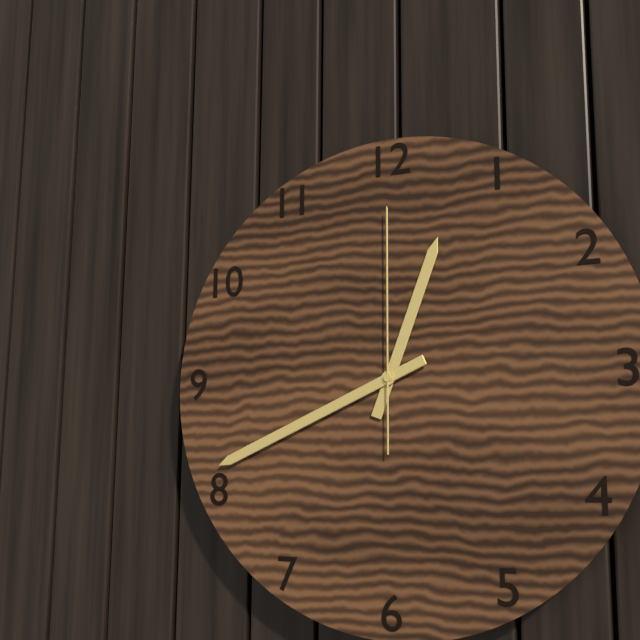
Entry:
12 h 41 min 00 s
